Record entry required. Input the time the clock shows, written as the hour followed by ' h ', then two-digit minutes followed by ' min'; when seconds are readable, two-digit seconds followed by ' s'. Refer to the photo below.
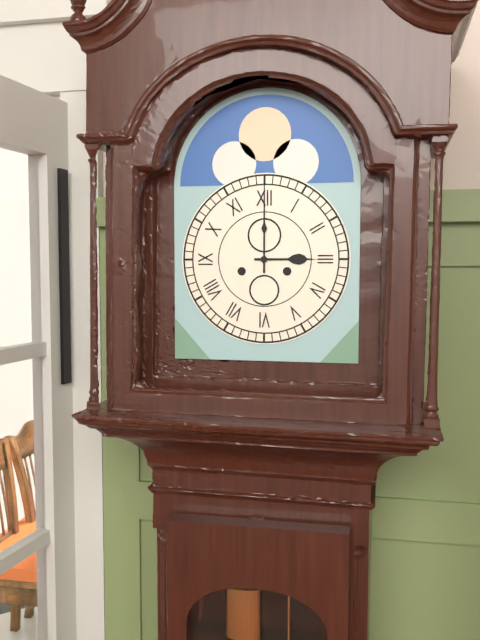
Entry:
3 h 00 min
